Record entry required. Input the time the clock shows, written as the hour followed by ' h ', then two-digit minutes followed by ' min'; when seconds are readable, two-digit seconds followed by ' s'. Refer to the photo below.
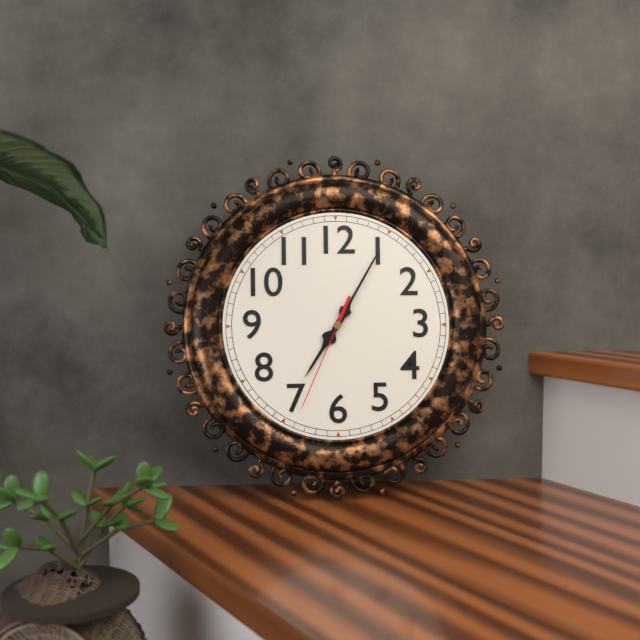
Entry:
7 h 05 min 34 s
